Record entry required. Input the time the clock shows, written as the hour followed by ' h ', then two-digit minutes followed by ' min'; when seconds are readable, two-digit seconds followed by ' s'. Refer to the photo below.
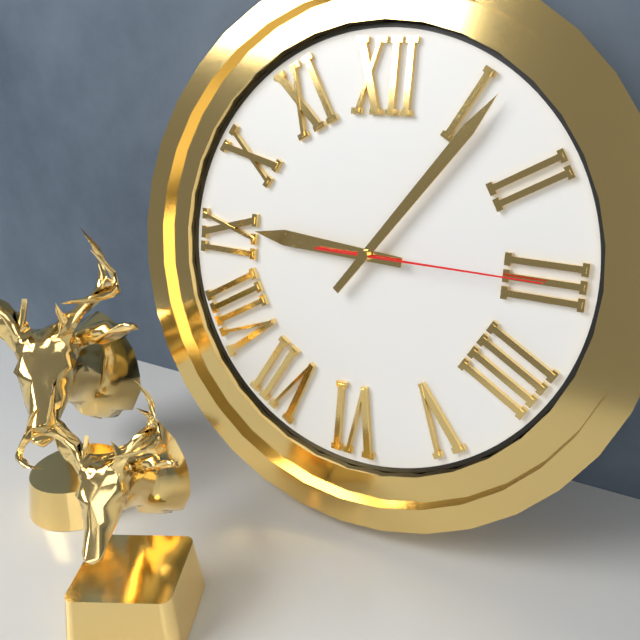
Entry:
9 h 06 min 15 s
